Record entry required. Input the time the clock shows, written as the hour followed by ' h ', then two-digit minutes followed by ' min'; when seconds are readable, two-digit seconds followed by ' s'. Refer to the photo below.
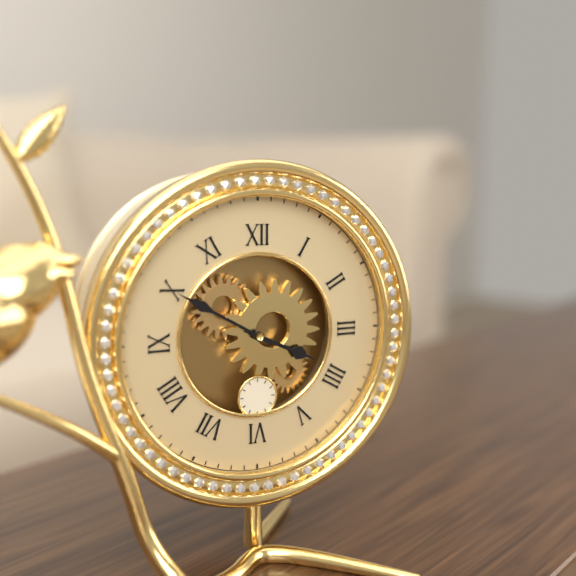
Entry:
3 h 50 min
